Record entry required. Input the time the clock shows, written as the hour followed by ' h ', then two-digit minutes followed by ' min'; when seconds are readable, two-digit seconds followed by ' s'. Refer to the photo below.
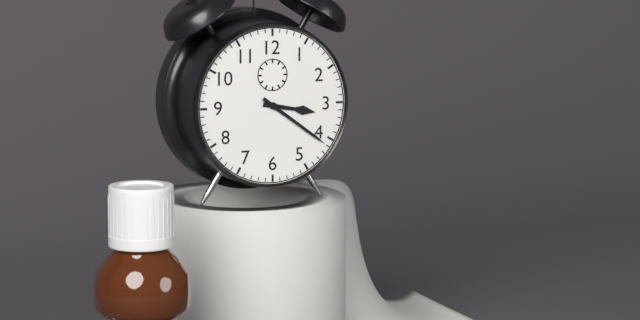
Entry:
3 h 21 min
